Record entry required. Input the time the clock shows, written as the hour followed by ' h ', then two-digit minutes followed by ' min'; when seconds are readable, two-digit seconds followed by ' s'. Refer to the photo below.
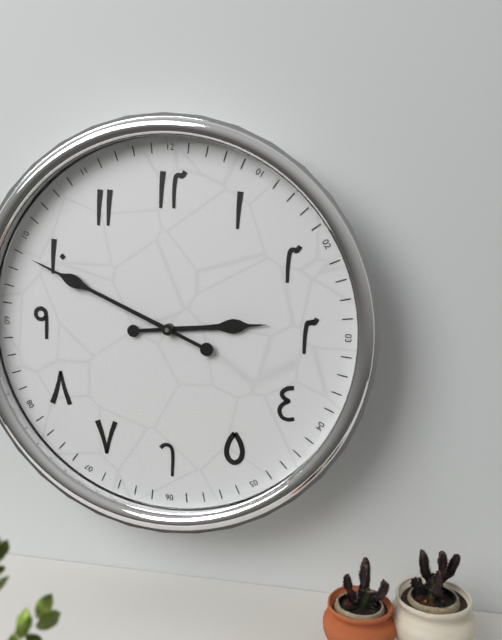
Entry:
2 h 49 min
